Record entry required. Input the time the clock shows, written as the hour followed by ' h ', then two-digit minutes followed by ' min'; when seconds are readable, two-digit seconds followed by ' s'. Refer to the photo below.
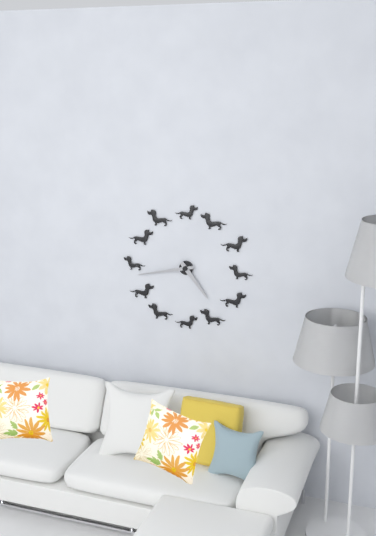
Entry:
4 h 43 min
